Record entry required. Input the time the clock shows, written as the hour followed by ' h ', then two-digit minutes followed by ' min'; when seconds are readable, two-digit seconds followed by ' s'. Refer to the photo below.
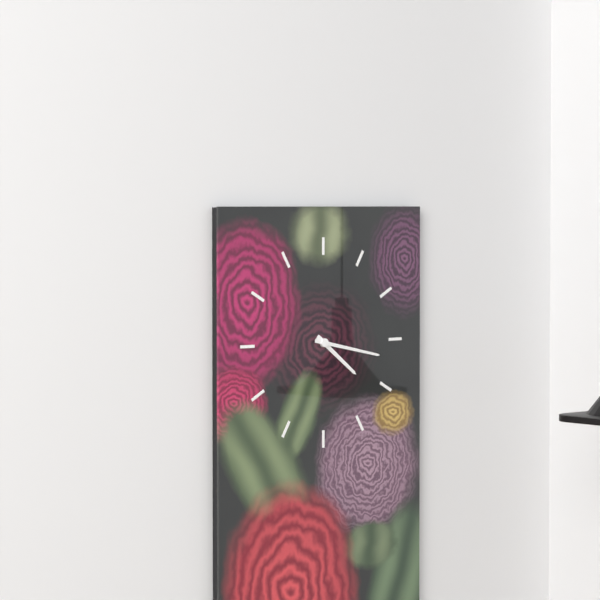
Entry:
4 h 17 min
